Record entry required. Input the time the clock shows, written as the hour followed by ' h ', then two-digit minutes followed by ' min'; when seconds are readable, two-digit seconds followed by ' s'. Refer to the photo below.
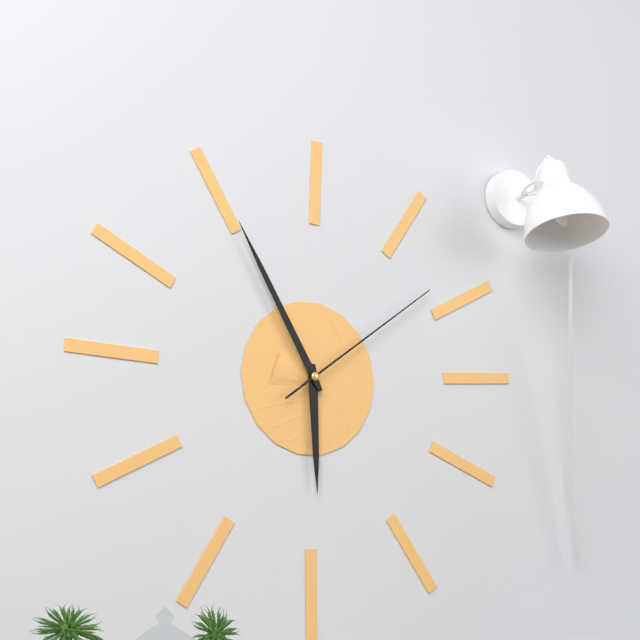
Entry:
5 h 55 min 09 s
